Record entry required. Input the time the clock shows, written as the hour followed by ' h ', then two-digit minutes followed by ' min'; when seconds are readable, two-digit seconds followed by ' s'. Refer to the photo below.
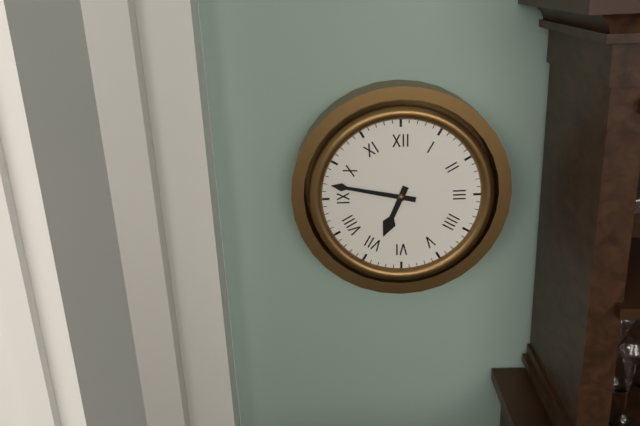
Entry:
6 h 47 min
